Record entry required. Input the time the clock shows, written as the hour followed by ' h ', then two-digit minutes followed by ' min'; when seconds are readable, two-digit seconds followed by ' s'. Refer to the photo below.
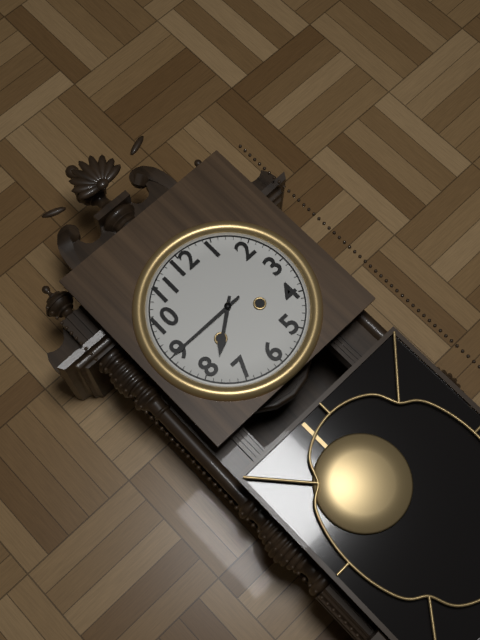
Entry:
7 h 45 min
